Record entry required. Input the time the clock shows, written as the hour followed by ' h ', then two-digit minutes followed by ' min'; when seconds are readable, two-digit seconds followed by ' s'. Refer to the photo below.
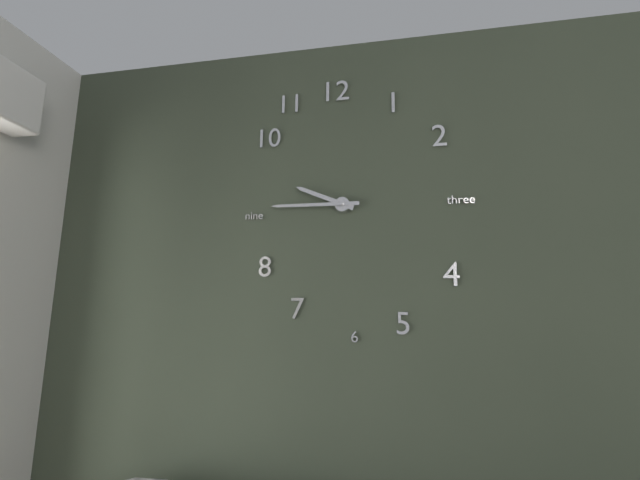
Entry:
9 h 45 min
